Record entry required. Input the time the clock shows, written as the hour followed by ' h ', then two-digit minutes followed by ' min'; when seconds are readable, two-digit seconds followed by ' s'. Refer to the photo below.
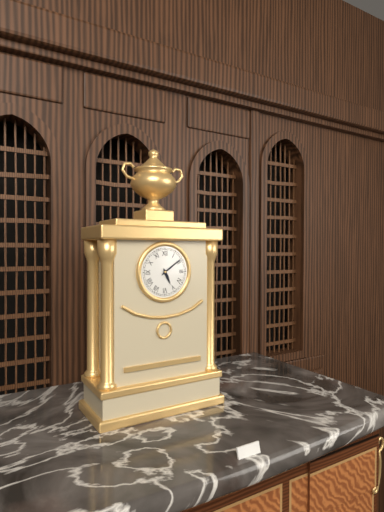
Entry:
5 h 09 min
